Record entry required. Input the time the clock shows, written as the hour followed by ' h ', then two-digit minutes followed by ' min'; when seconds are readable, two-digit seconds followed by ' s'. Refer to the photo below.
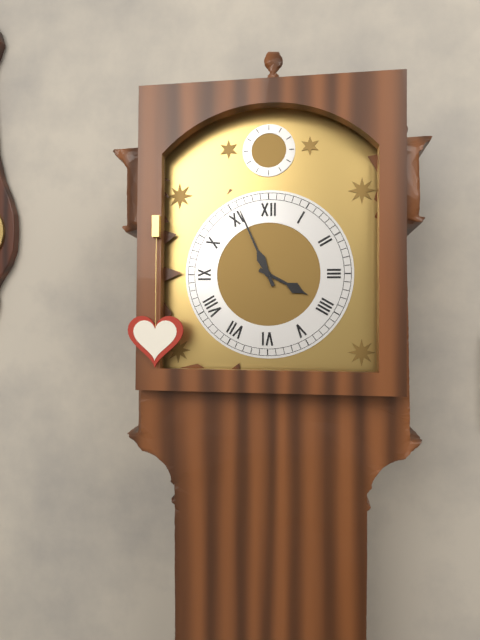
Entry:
3 h 56 min
